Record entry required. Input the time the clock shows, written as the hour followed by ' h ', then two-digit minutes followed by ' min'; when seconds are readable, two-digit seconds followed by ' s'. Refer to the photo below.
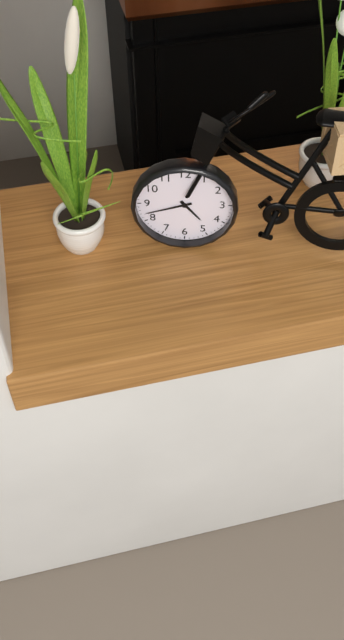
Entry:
4 h 42 min
